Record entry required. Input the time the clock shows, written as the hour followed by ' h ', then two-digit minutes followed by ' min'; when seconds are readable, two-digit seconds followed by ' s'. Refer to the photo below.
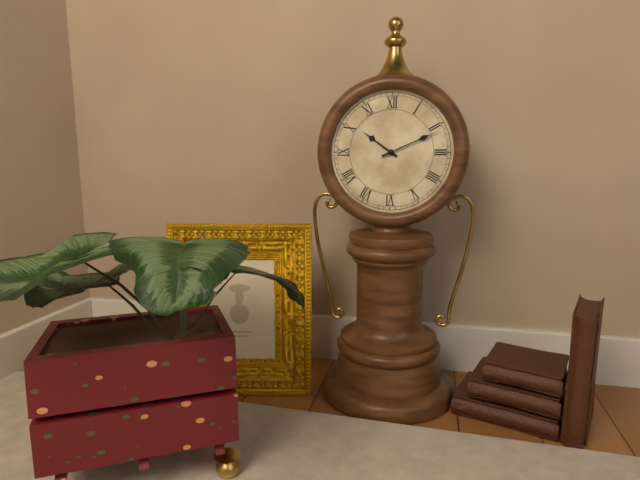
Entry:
10 h 11 min
